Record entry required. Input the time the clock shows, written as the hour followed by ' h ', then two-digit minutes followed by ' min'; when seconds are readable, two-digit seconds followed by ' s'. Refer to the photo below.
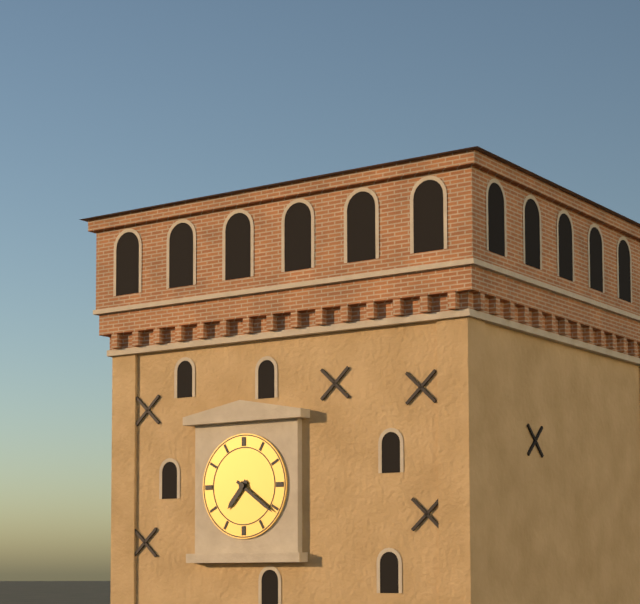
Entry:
7 h 21 min
